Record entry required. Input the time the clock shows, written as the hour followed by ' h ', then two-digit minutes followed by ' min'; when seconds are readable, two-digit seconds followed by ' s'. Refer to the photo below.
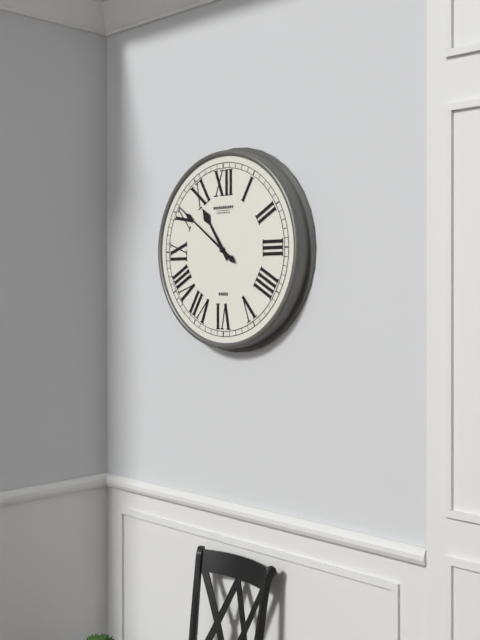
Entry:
10 h 51 min
